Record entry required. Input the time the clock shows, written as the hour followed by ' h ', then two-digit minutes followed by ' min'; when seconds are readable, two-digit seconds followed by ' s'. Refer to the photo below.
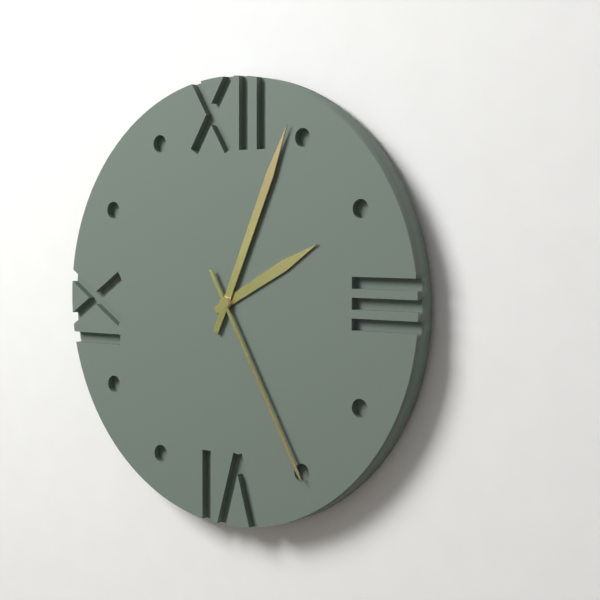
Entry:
2 h 04 min 25 s
